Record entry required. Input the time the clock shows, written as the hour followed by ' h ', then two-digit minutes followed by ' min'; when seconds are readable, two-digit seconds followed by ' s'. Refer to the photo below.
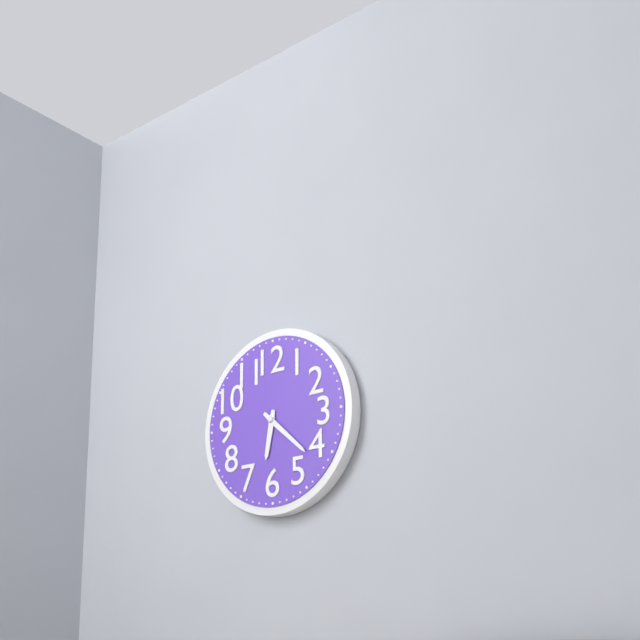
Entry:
6 h 22 min
